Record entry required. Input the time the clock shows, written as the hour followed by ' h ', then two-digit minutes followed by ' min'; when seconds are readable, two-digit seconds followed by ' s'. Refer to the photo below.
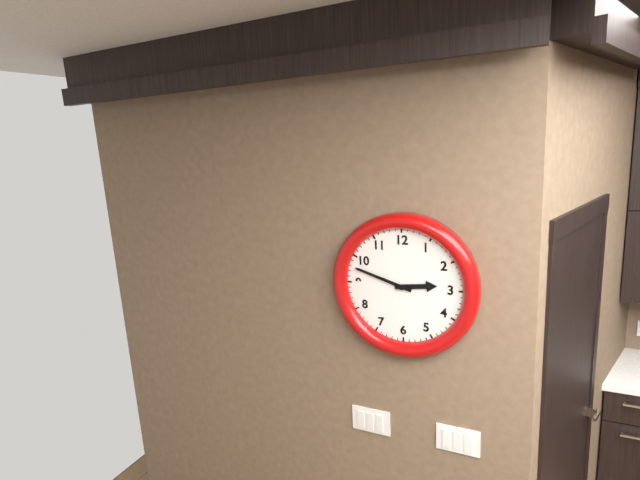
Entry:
2 h 48 min
